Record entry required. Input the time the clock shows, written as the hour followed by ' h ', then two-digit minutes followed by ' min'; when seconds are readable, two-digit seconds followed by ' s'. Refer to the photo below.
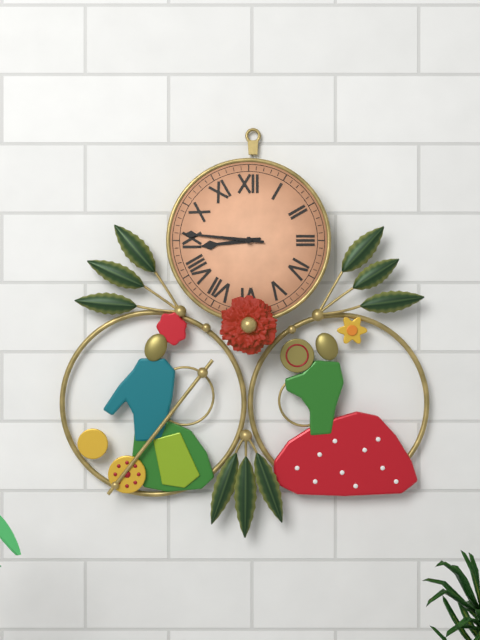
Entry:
8 h 46 min
